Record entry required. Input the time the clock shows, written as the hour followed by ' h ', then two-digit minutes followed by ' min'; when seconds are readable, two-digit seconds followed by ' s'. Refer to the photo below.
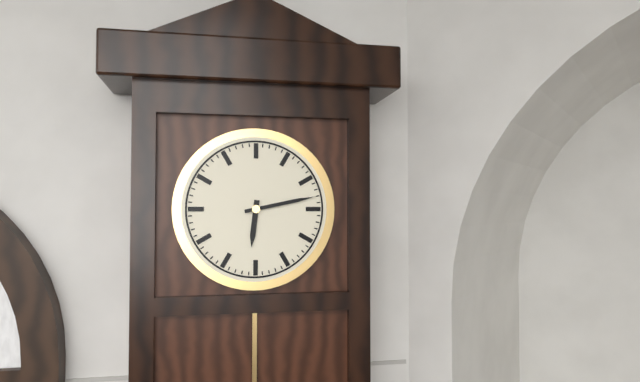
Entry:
6 h 13 min
